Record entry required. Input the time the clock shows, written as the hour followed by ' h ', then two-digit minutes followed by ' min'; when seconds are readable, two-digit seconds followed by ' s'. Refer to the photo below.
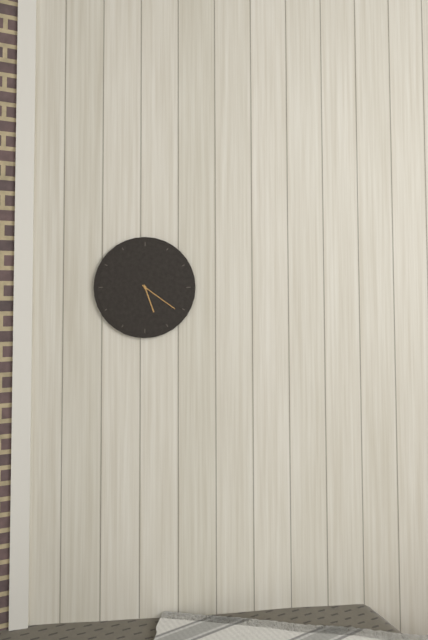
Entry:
5 h 21 min
